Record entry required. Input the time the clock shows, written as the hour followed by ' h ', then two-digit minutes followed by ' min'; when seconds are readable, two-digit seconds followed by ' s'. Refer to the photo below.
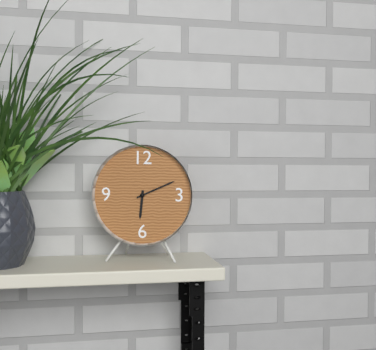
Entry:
6 h 11 min
